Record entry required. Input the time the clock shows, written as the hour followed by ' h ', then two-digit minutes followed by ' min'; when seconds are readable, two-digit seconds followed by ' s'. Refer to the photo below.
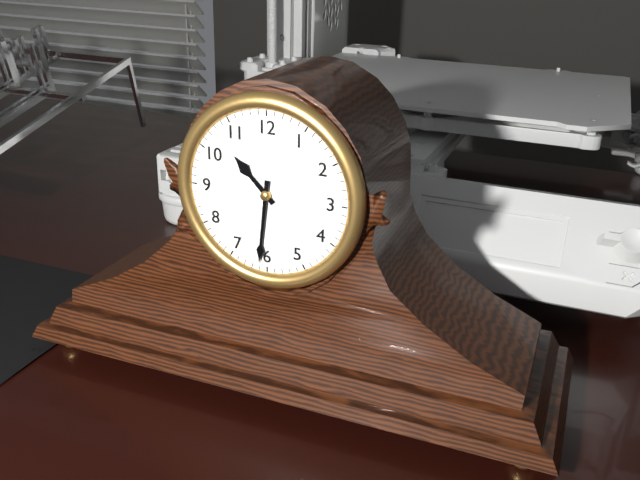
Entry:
10 h 31 min
